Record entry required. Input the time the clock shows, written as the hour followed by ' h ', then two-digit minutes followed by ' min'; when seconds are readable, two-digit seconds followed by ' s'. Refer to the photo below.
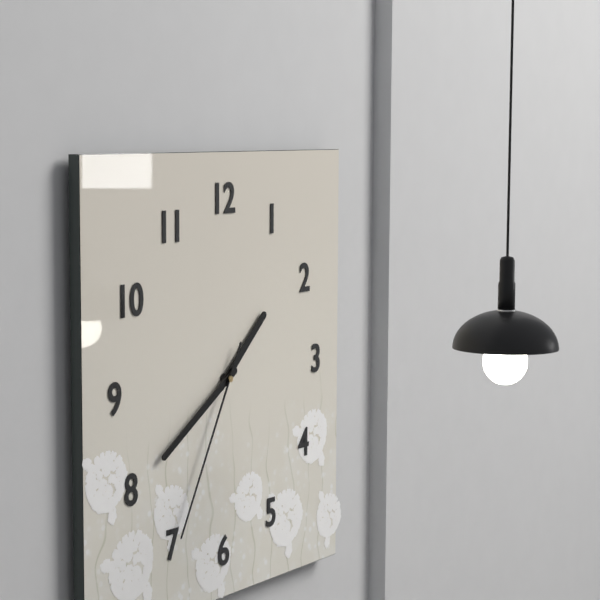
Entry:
1 h 40 min 35 s
